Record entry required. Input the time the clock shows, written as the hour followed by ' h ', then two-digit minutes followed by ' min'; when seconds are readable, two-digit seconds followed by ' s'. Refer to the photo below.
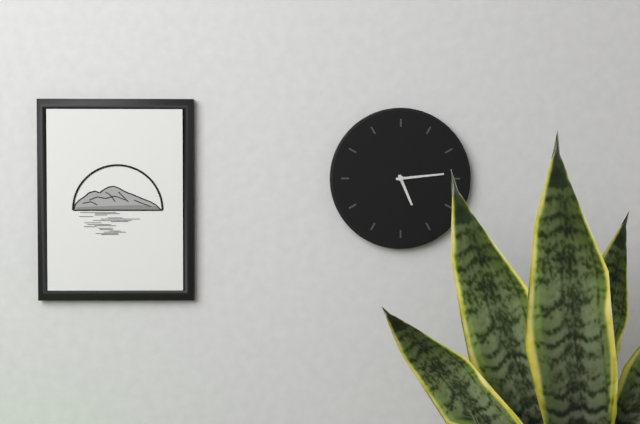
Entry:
5 h 14 min
